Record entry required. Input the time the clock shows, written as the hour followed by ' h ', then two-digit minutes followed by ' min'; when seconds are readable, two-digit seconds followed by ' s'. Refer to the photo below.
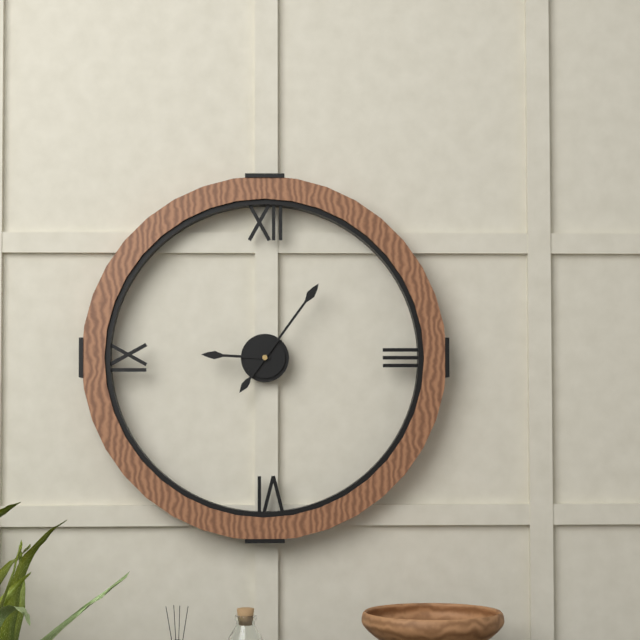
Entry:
9 h 06 min
